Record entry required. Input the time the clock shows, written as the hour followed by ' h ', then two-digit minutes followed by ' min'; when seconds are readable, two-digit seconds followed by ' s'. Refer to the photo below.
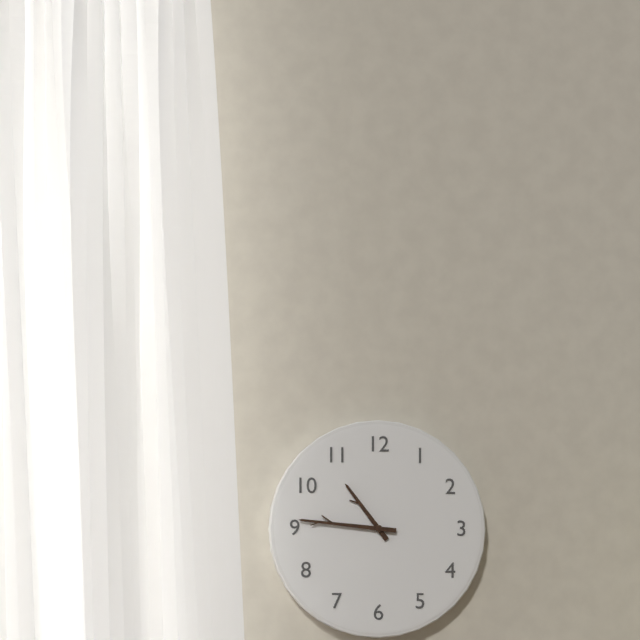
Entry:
10 h 46 min
